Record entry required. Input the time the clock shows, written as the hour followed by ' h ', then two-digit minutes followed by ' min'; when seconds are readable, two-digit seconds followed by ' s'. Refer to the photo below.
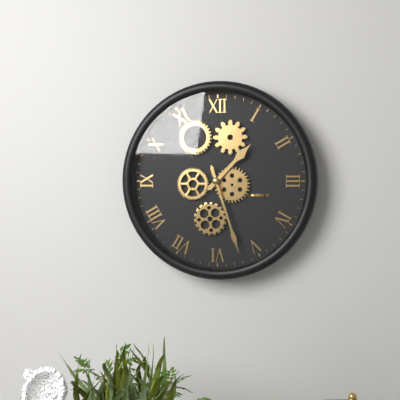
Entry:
1 h 27 min
